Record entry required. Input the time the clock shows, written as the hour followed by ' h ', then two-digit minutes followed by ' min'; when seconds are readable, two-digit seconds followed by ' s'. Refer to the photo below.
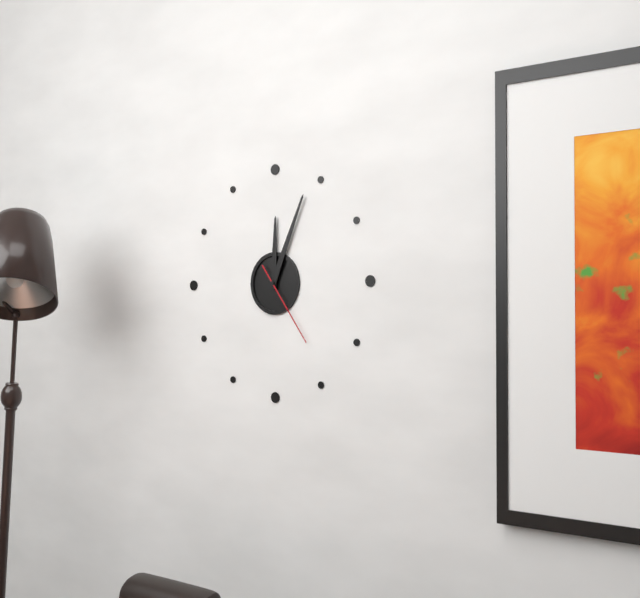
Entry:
12 h 04 min 24 s
